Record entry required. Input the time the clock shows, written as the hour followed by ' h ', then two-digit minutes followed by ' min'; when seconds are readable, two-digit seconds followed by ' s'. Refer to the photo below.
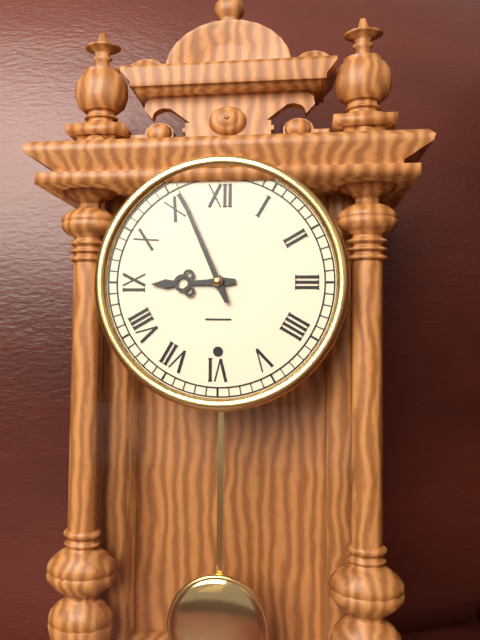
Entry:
8 h 56 min
